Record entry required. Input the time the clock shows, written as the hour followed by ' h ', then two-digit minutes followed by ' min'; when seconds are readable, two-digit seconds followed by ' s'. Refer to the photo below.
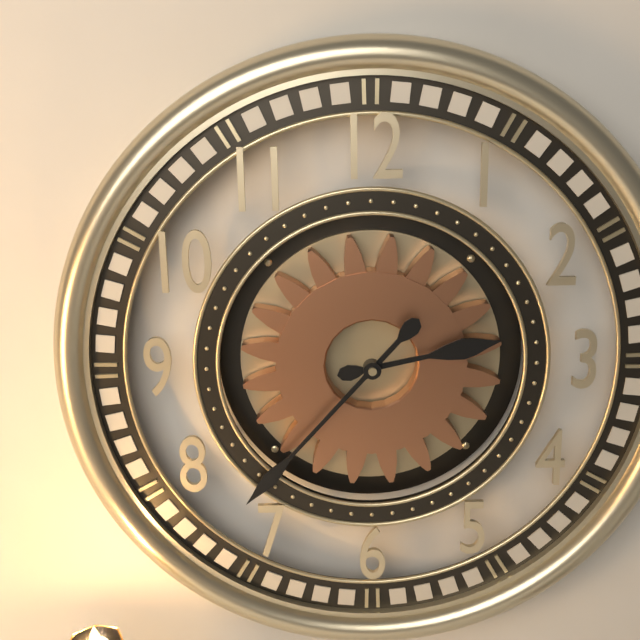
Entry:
2 h 37 min
